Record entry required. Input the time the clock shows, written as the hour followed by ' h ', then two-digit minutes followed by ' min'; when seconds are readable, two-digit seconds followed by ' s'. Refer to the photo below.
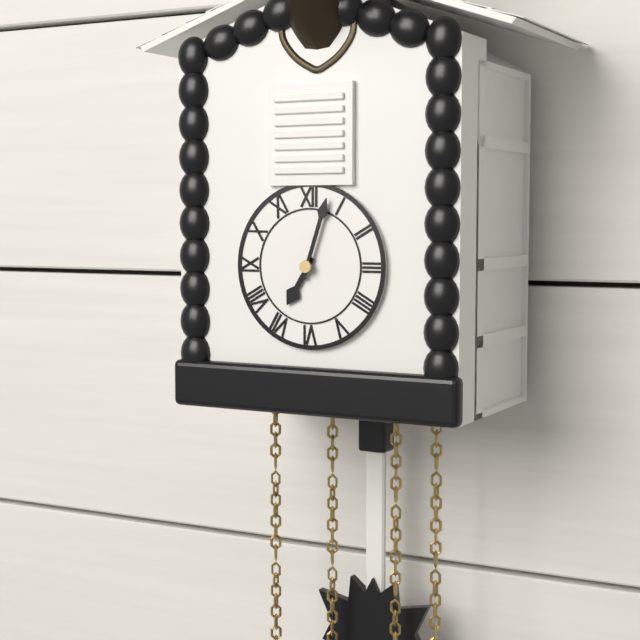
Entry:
7 h 03 min
